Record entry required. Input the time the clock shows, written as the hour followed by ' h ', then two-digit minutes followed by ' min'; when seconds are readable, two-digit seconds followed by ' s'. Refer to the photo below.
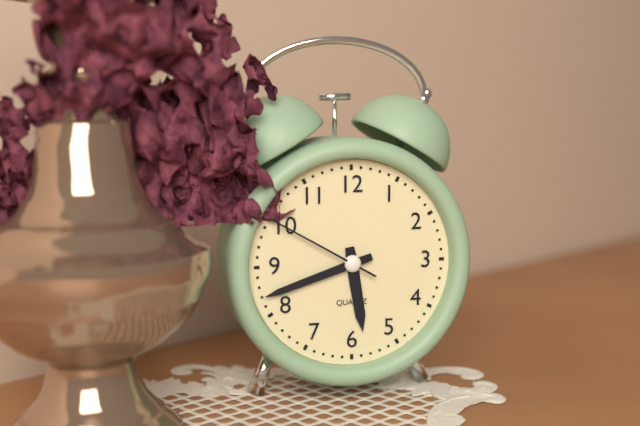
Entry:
5 h 42 min 50 s
